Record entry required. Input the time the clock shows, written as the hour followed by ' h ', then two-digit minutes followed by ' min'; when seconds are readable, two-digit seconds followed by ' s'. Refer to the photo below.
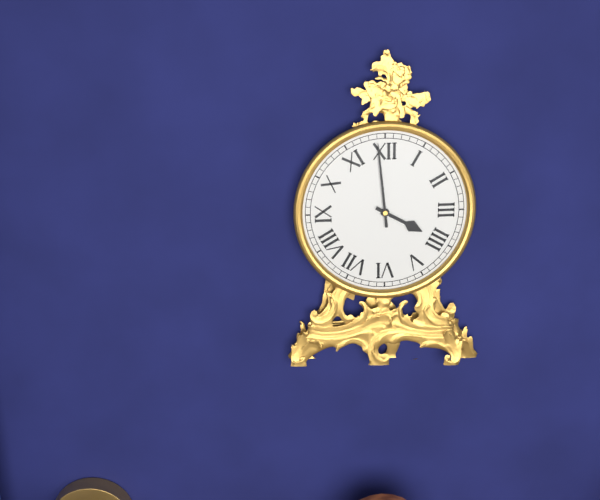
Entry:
3 h 59 min
